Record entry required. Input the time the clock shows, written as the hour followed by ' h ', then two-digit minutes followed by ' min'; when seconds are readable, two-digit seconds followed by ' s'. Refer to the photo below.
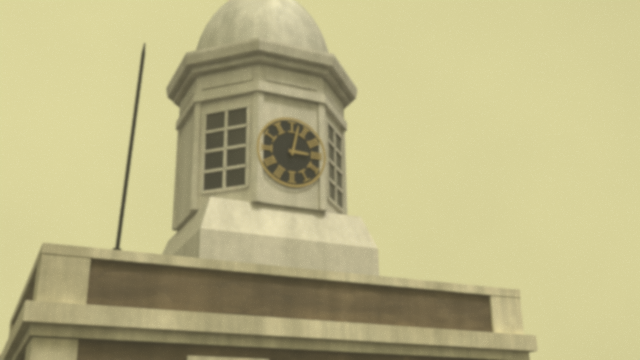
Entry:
3 h 02 min
